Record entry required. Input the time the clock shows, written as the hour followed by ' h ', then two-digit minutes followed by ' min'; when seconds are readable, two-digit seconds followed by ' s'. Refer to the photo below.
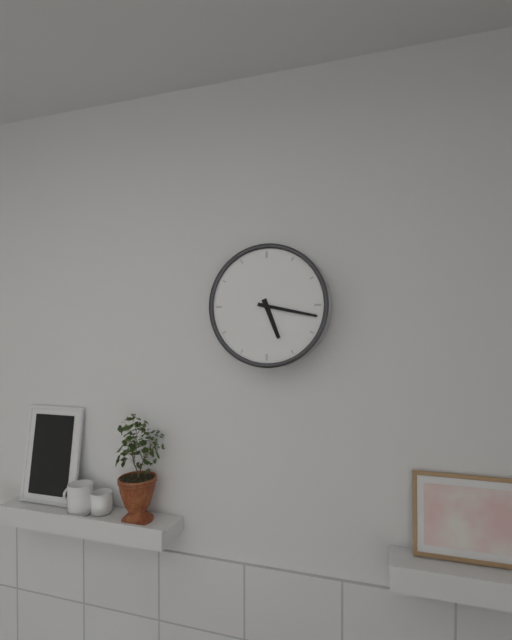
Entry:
5 h 17 min
